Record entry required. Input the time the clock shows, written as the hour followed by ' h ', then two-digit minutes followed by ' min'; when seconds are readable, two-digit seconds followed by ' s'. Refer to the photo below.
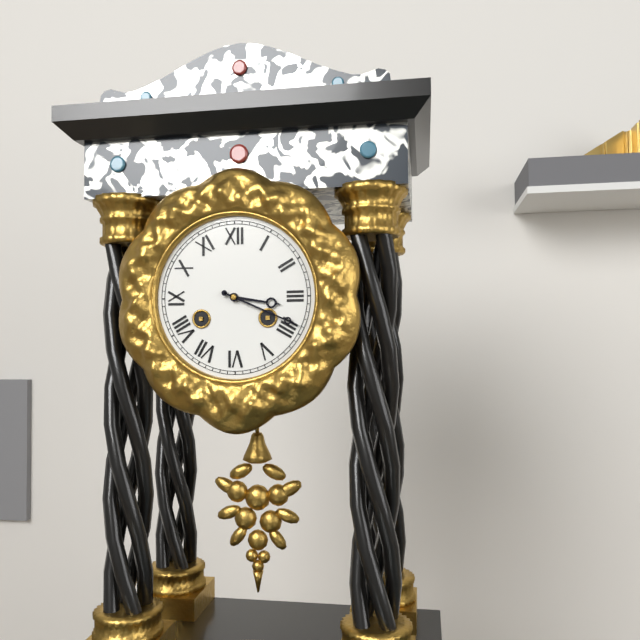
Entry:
3 h 19 min
